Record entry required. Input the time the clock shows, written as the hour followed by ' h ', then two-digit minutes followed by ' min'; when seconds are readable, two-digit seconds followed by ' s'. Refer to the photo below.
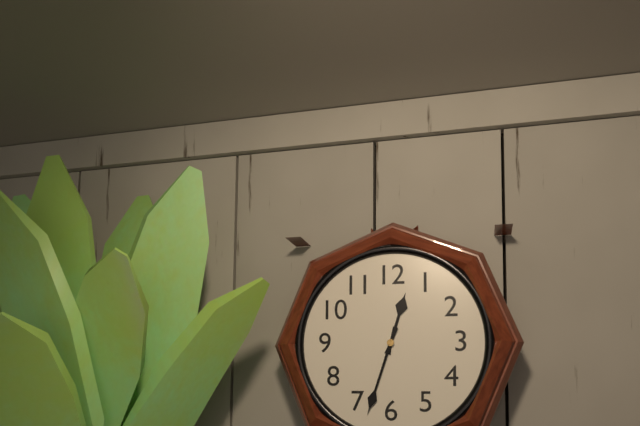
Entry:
12 h 33 min
